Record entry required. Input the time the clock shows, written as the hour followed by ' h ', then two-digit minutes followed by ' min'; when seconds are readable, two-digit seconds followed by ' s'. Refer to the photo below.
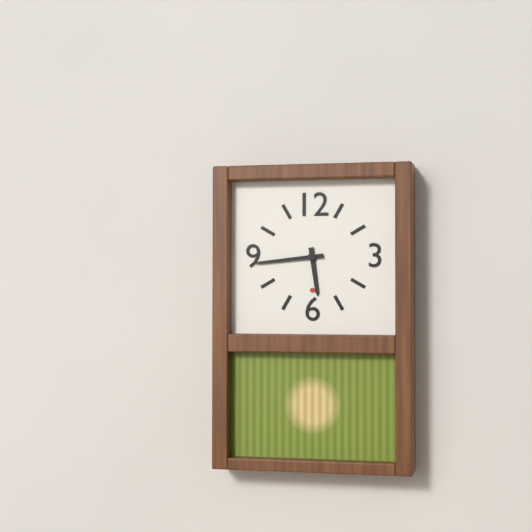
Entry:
5 h 44 min
